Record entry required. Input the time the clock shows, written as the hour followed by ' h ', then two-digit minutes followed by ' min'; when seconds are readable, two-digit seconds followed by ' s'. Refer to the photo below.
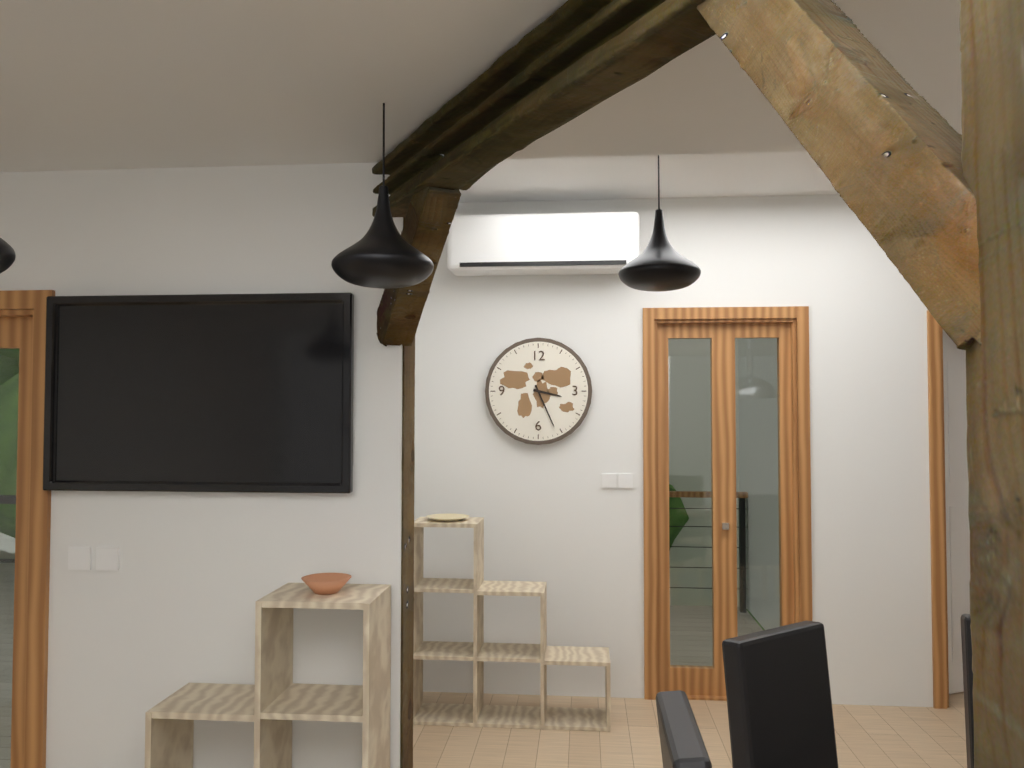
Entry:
3 h 26 min
